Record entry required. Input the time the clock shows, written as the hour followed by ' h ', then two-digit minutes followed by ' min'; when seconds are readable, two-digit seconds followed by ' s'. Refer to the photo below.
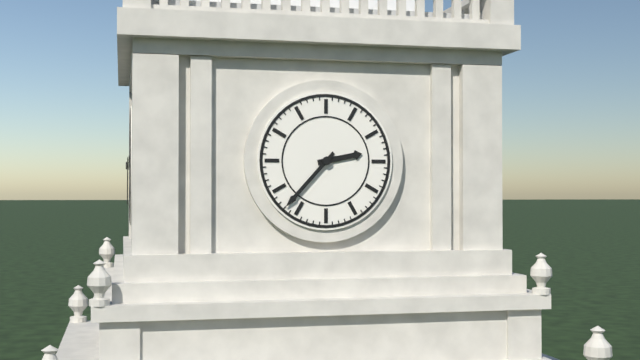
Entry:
2 h 37 min
